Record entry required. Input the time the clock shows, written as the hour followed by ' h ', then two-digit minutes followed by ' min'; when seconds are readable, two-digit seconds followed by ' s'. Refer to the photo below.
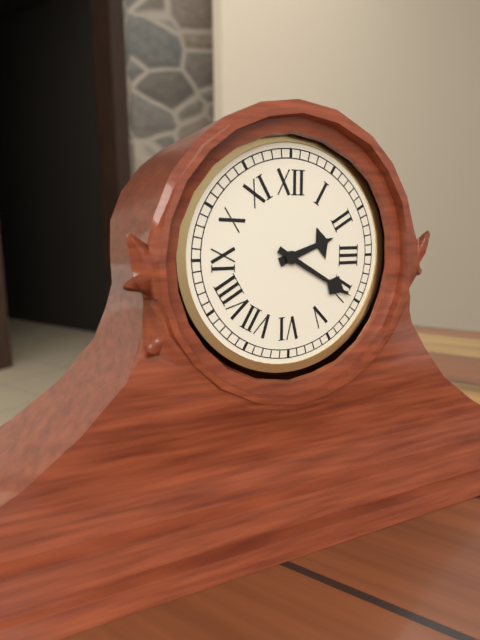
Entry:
2 h 20 min
